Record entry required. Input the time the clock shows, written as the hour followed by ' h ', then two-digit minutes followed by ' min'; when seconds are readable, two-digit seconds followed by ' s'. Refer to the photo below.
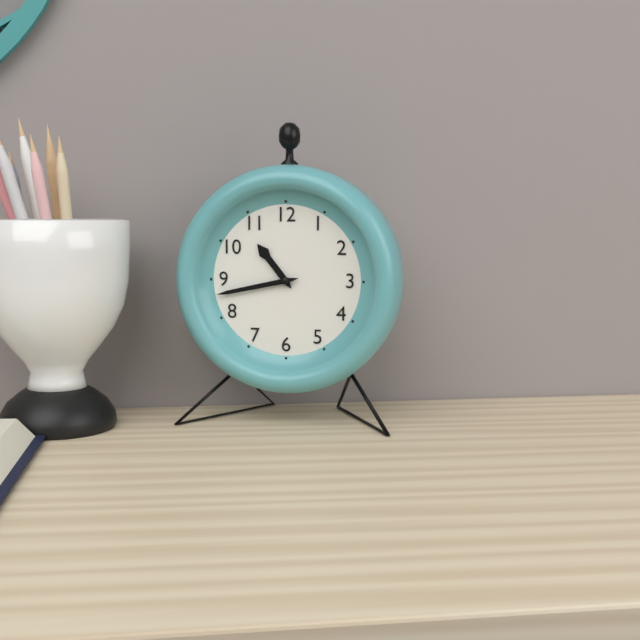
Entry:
10 h 43 min
